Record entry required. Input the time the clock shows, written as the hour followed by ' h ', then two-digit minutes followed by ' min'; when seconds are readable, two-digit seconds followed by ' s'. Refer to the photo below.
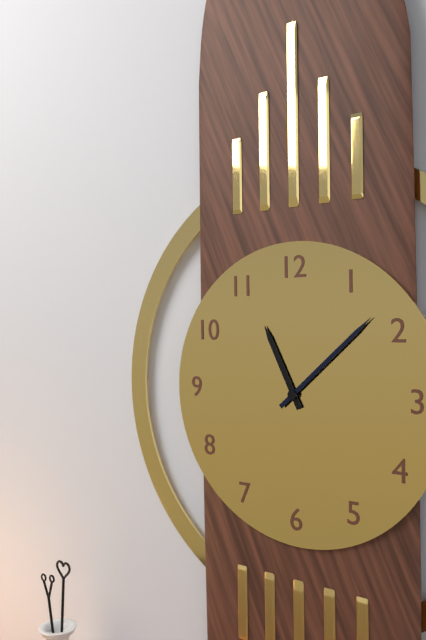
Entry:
11 h 08 min
